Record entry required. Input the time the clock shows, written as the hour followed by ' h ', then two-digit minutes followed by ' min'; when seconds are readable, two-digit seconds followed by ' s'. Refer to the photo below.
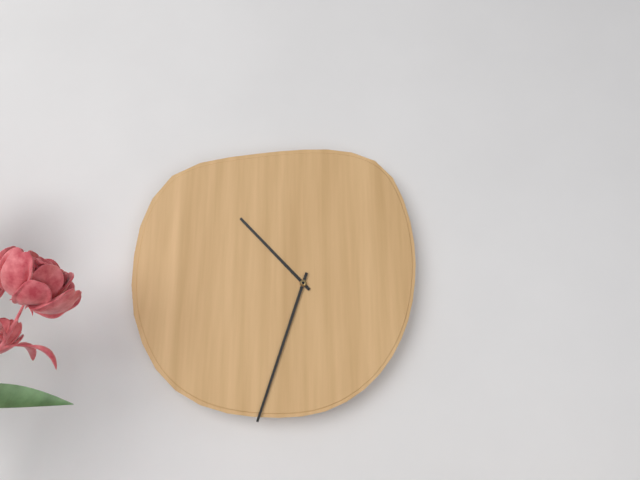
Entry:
10 h 33 min
